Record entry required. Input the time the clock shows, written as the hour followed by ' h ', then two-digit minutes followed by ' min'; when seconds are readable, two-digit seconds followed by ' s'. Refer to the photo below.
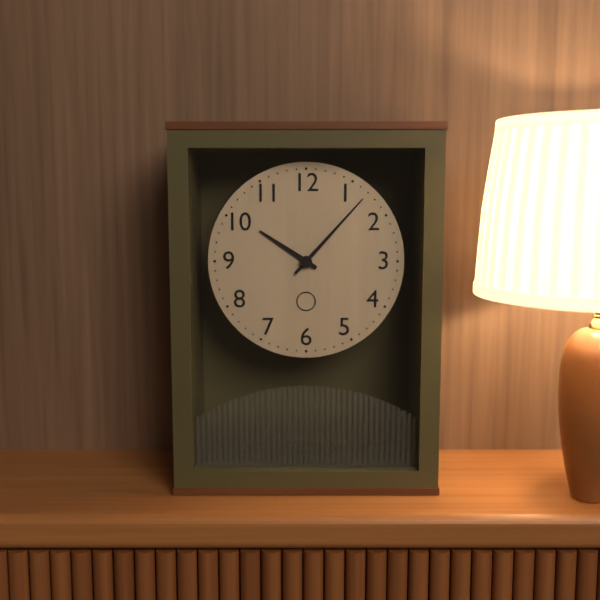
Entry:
10 h 07 min
